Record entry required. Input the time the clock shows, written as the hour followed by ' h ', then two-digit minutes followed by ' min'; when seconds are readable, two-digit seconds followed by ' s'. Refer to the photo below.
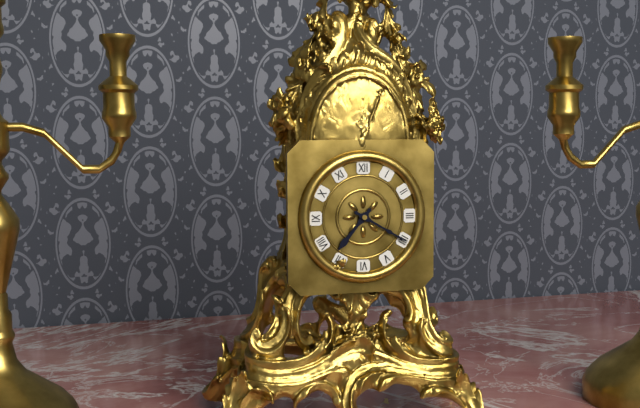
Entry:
7 h 20 min
